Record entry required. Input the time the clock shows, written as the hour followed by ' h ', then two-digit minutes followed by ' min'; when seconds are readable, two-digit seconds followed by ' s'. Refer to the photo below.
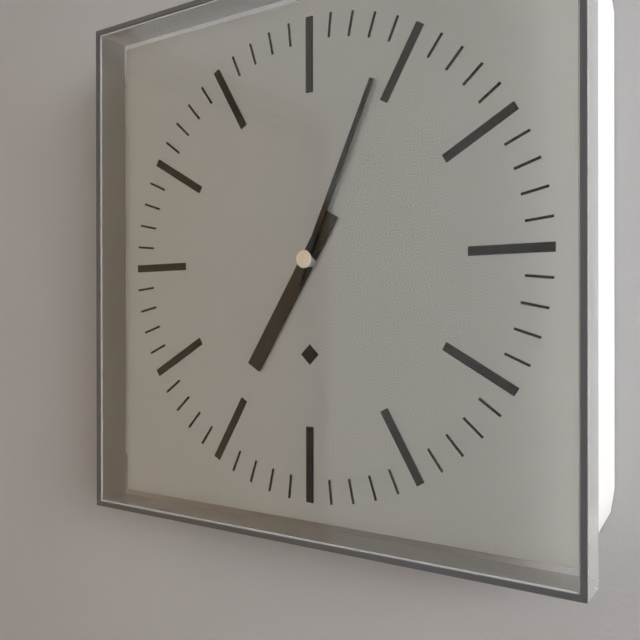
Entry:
7 h 04 min
